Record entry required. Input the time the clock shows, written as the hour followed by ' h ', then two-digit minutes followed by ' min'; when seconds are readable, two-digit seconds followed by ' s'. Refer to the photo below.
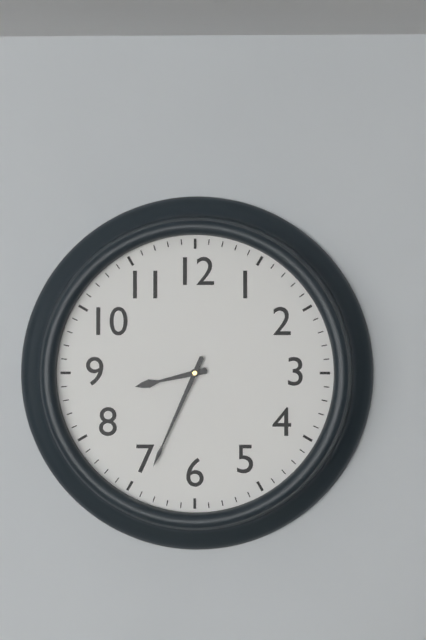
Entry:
8 h 34 min
